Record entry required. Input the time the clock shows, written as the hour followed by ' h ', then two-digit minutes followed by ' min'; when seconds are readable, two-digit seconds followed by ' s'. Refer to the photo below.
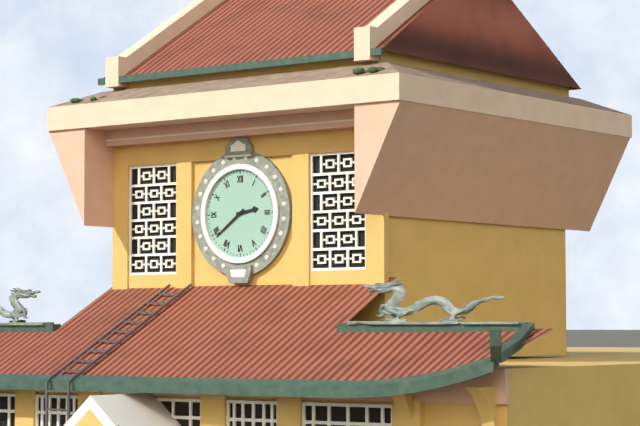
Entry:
2 h 39 min
